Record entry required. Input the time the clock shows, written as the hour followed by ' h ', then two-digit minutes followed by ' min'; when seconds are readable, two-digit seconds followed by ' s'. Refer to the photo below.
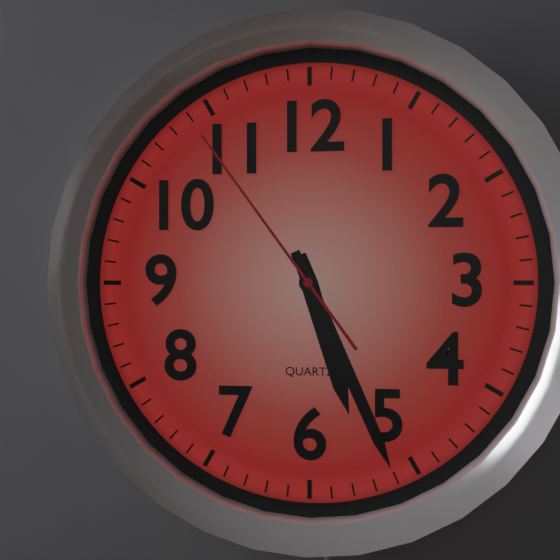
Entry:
5 h 26 min 54 s
